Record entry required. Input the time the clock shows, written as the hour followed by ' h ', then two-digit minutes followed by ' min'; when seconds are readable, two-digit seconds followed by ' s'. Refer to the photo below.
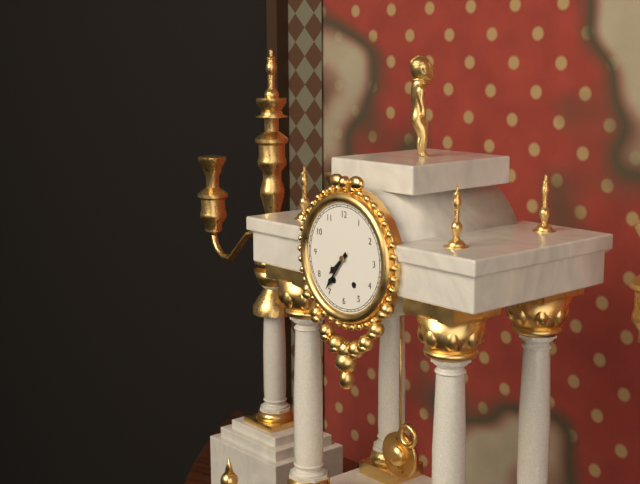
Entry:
7 h 36 min
